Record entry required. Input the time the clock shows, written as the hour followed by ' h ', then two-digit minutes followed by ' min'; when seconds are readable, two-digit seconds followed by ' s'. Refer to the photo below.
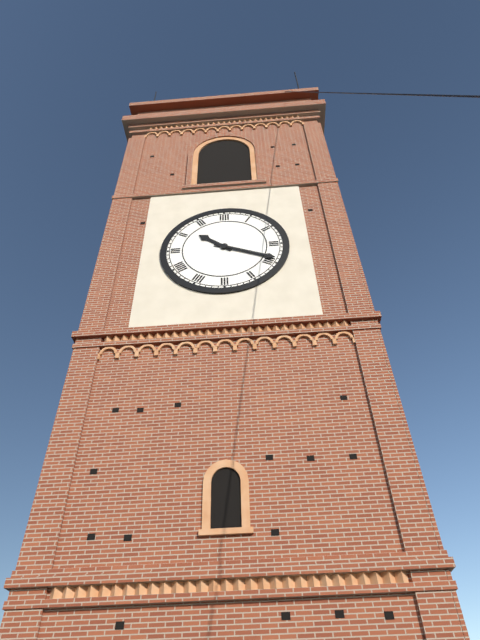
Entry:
10 h 19 min
